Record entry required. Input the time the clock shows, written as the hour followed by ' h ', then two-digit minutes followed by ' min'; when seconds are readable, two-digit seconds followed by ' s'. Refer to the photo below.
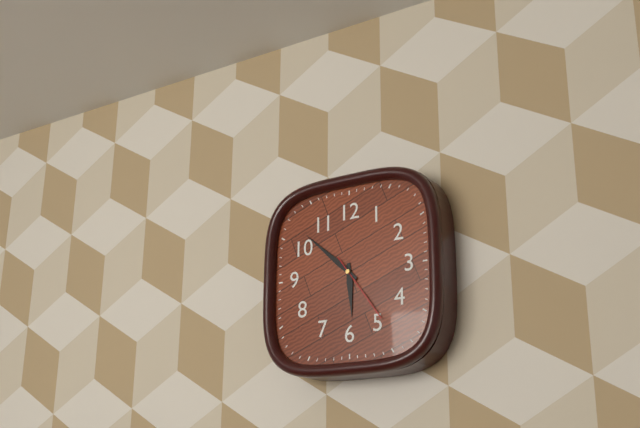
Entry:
5 h 52 min 24 s
